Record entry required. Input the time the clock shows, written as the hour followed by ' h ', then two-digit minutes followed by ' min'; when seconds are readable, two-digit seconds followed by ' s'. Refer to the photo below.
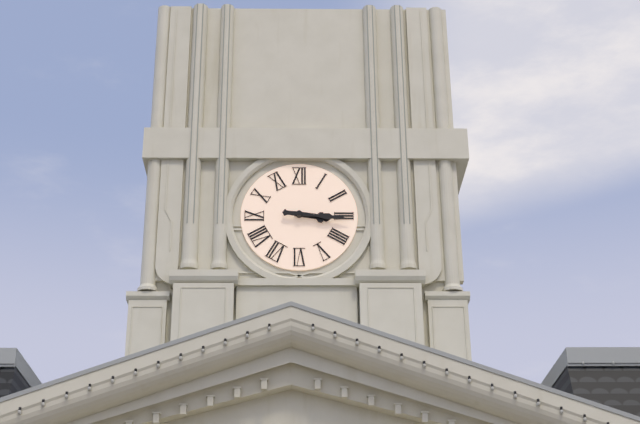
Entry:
3 h 16 min
